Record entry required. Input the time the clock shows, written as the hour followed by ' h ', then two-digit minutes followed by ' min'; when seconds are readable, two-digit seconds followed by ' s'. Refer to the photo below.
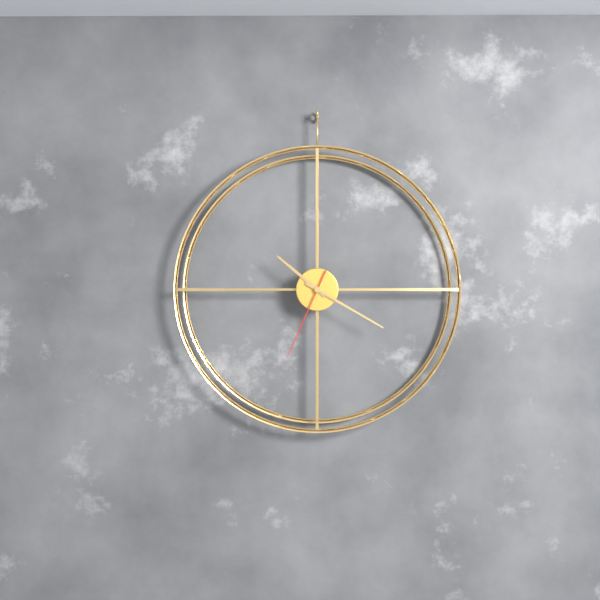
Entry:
10 h 20 min 34 s
